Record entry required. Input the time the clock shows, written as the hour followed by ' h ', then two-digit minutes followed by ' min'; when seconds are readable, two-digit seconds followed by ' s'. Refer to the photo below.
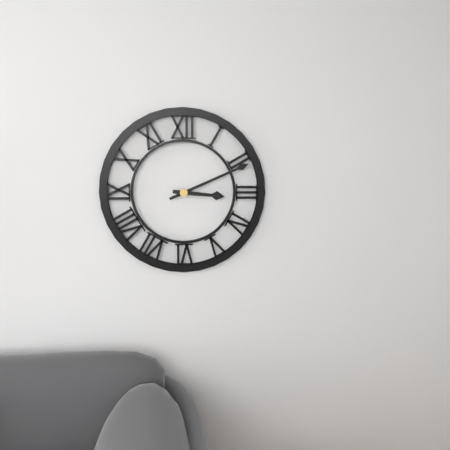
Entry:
3 h 11 min
